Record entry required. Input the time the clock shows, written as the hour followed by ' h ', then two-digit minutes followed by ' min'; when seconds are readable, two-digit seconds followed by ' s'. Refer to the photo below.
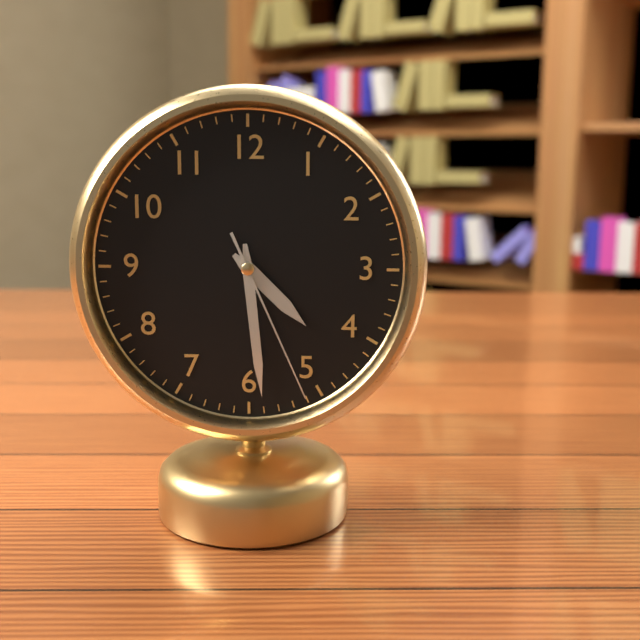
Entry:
4 h 29 min 26 s
